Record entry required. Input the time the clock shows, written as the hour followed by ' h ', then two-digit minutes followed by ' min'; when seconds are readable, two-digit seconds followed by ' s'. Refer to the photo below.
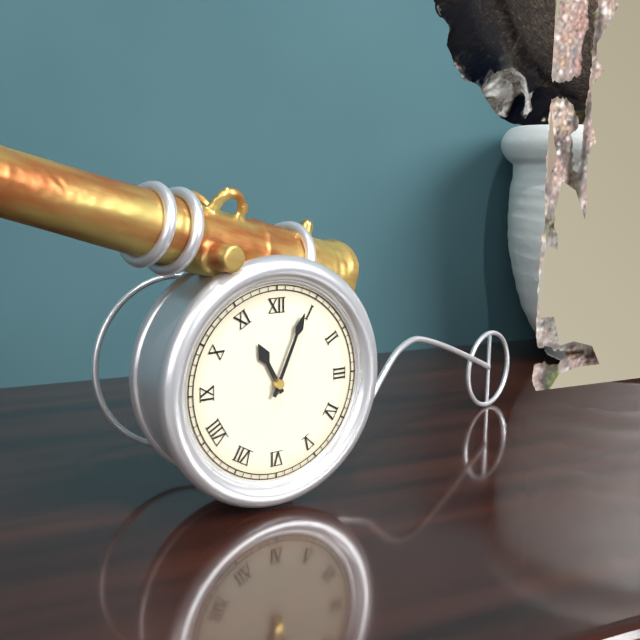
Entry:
11 h 04 min
